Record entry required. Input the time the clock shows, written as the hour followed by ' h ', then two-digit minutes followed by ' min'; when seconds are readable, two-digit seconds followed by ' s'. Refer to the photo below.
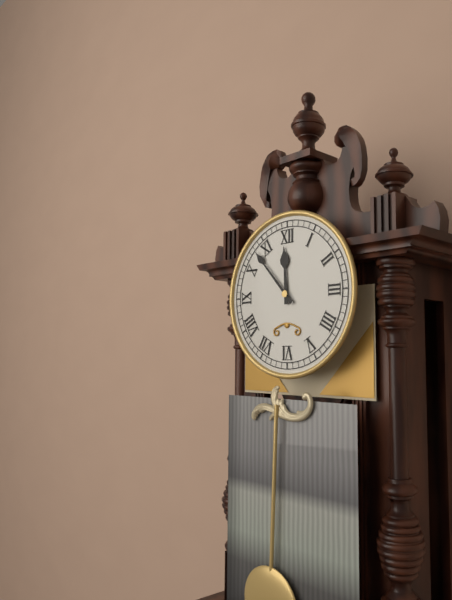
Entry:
11 h 53 min
